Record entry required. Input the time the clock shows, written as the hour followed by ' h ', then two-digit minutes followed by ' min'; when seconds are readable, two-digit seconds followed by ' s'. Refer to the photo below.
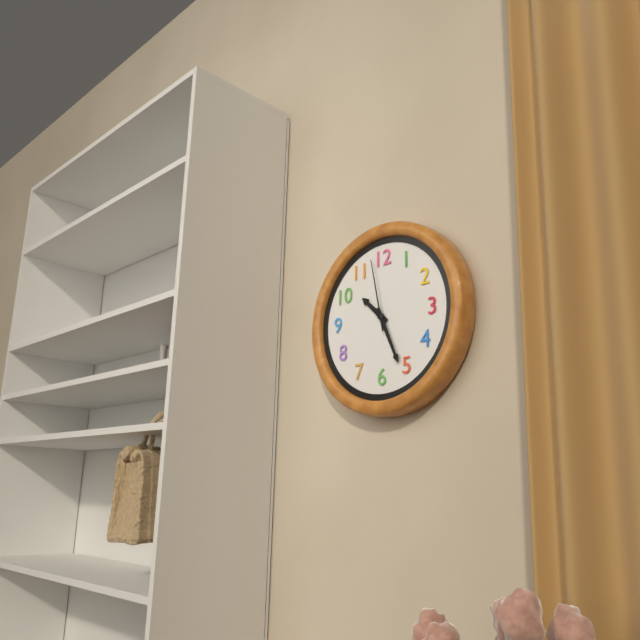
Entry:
10 h 26 min 58 s
